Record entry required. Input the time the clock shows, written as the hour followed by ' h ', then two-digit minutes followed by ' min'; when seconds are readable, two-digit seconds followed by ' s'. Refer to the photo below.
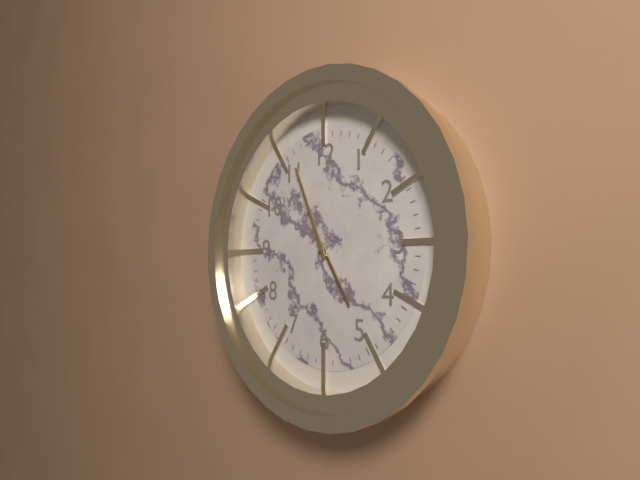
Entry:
4 h 56 min
